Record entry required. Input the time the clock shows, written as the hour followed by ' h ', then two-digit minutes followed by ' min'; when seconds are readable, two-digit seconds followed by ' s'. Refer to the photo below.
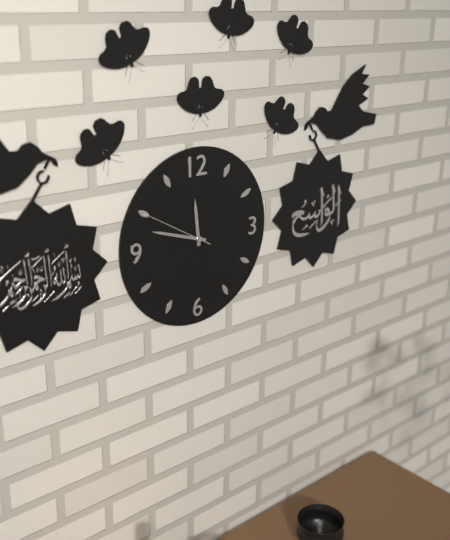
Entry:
11 h 48 min 50 s
